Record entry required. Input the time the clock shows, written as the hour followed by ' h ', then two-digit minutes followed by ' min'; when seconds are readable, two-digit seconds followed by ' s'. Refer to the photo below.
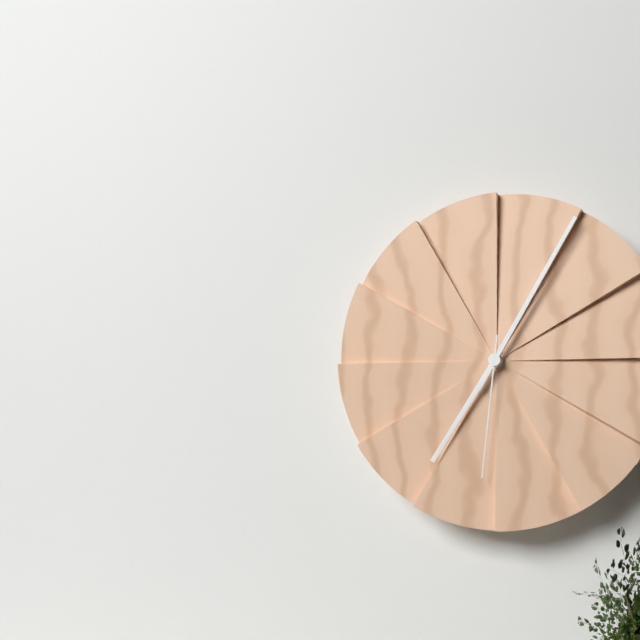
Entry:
7 h 05 min 31 s
